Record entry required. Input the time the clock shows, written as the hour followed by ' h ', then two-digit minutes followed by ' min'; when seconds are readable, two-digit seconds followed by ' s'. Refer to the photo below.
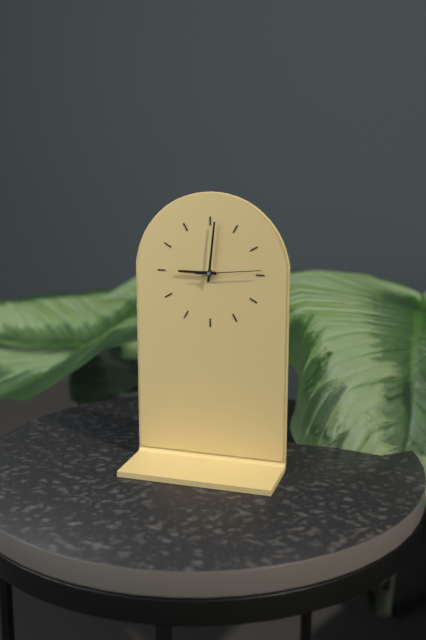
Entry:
9 h 01 min 14 s
